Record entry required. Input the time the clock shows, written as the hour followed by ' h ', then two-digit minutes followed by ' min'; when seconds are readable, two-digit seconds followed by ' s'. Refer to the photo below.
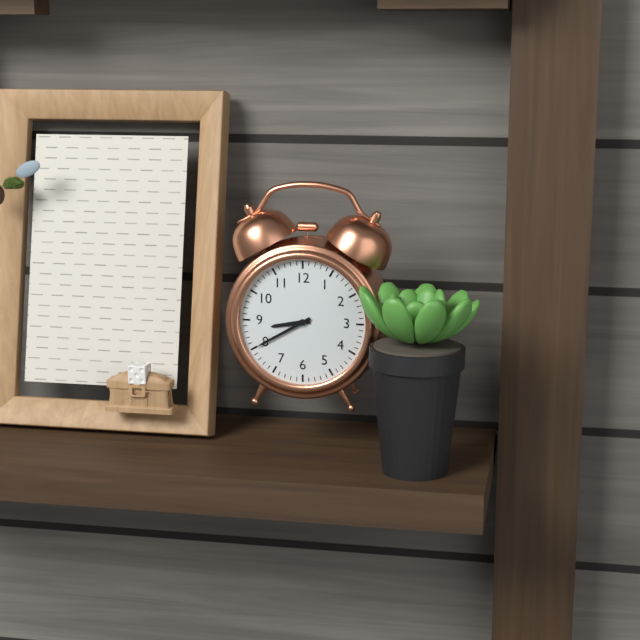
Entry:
8 h 40 min
